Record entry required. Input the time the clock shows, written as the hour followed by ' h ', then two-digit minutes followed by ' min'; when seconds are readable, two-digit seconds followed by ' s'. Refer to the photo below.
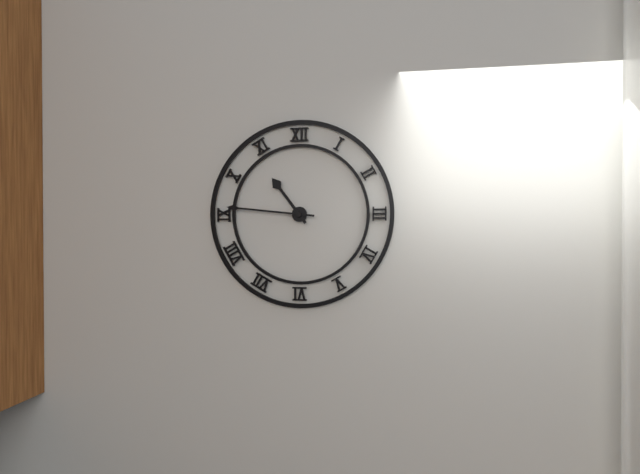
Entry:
10 h 46 min
